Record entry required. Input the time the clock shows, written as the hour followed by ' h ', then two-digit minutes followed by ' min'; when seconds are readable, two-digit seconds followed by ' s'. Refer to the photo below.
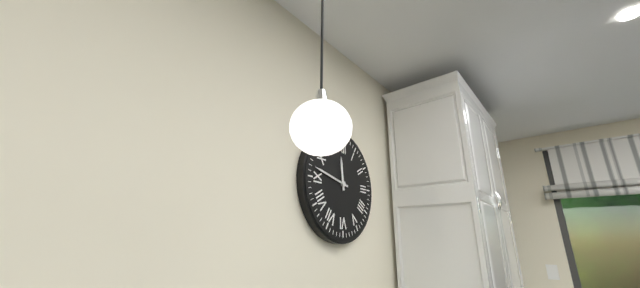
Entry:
11 h 47 min
